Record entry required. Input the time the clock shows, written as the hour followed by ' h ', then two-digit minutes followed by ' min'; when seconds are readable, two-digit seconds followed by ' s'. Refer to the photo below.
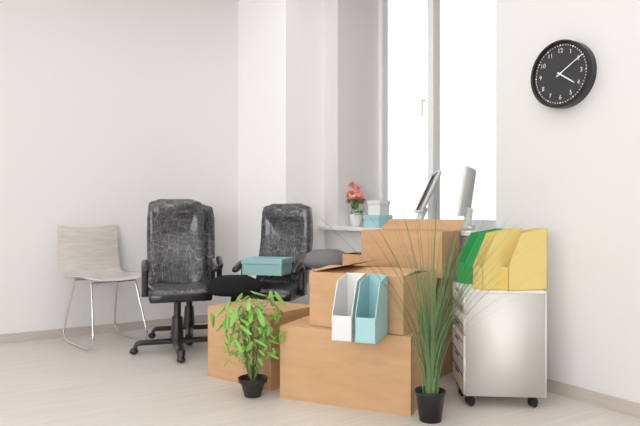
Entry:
4 h 10 min
